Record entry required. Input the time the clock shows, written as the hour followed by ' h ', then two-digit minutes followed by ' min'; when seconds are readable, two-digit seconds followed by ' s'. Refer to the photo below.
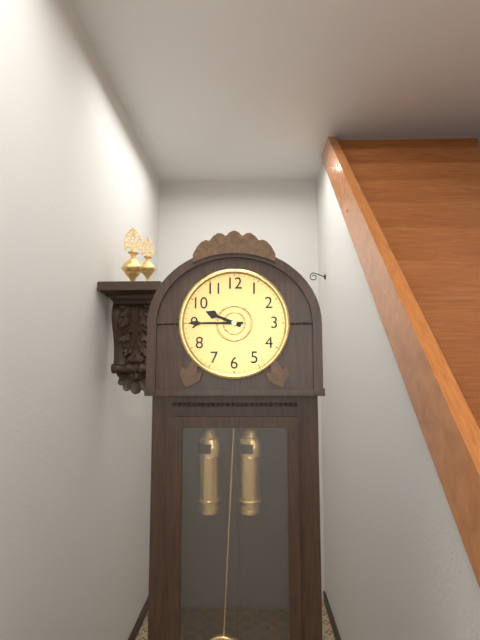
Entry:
9 h 45 min
